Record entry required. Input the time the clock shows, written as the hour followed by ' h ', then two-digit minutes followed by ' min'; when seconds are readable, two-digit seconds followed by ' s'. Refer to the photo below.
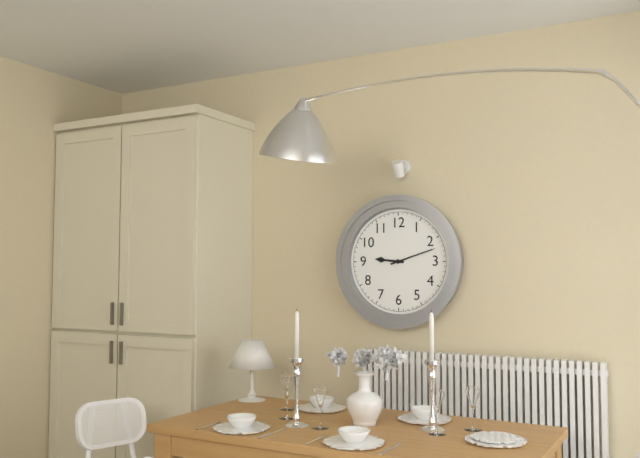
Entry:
9 h 12 min
